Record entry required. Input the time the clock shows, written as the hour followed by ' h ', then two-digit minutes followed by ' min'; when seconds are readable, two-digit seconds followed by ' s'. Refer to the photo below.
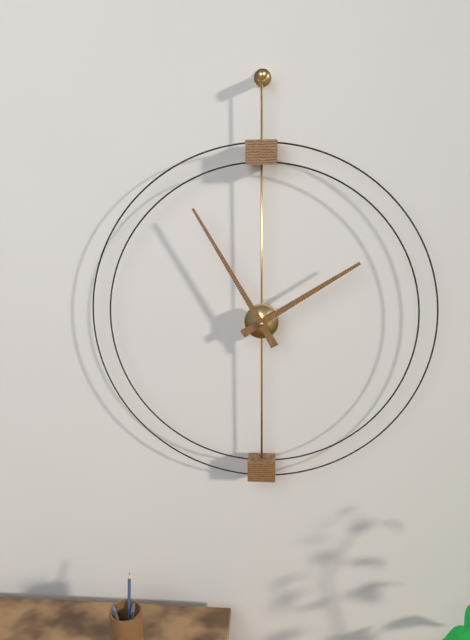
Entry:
1 h 55 min
